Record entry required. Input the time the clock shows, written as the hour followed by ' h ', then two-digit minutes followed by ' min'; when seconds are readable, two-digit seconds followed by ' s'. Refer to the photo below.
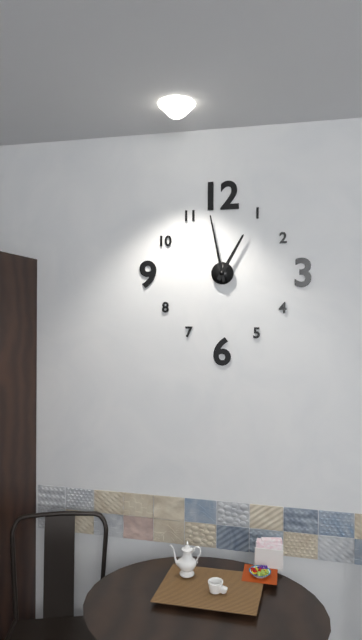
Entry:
12 h 58 min
